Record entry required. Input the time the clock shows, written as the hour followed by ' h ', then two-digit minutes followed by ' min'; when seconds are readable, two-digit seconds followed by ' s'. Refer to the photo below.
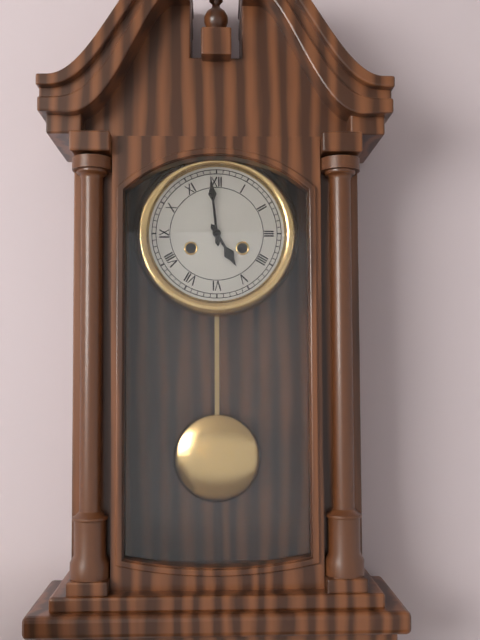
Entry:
4 h 59 min
